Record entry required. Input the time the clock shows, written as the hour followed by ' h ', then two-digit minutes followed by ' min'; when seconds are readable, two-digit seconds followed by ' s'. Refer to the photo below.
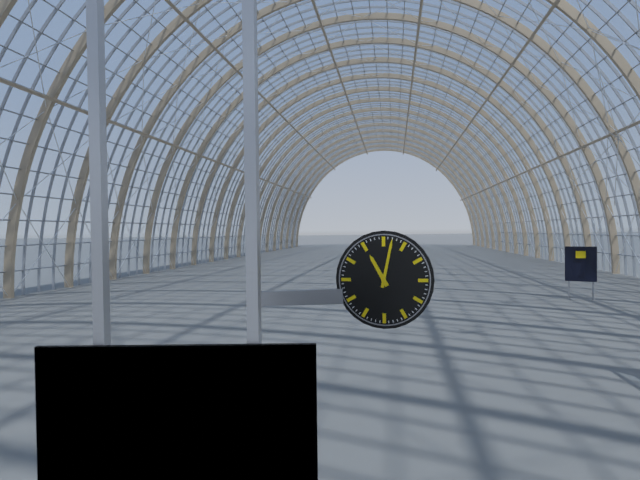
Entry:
11 h 02 min
